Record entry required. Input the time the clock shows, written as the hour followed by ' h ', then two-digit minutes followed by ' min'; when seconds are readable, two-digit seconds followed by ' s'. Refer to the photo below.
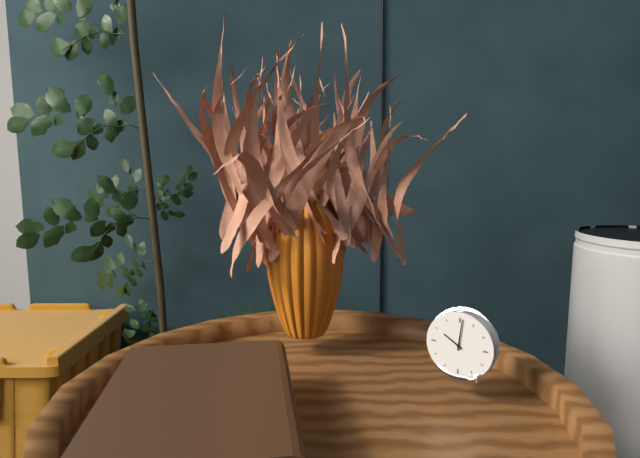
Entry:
10 h 01 min
